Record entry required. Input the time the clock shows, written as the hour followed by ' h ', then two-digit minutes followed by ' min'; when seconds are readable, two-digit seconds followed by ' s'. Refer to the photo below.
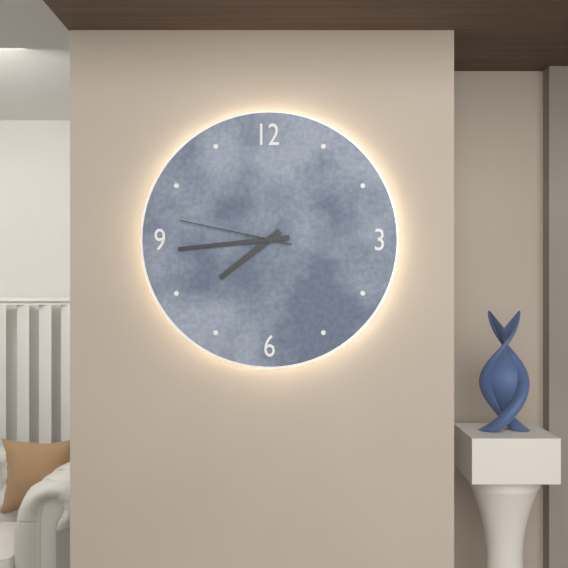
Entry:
7 h 44 min 47 s
